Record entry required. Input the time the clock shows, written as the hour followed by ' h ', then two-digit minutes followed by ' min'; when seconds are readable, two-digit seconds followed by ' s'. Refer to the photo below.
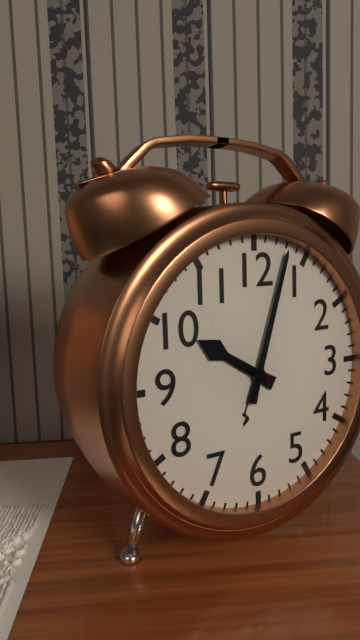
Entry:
10 h 03 min
